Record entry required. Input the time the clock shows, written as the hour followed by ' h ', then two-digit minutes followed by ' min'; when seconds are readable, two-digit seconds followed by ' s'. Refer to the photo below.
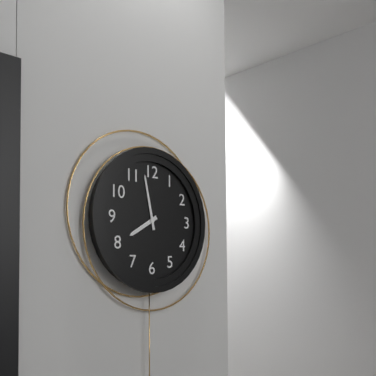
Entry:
7 h 58 min
